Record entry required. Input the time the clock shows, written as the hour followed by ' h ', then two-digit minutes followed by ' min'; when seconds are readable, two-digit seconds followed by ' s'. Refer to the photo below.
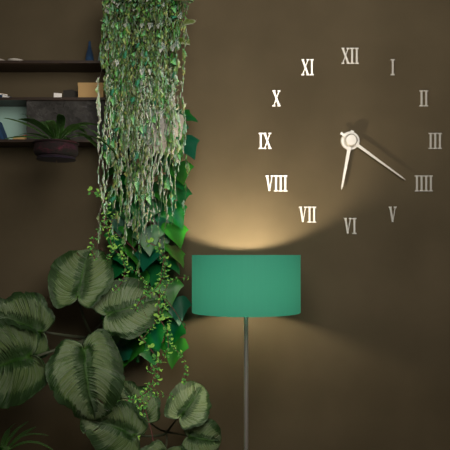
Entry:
6 h 21 min
